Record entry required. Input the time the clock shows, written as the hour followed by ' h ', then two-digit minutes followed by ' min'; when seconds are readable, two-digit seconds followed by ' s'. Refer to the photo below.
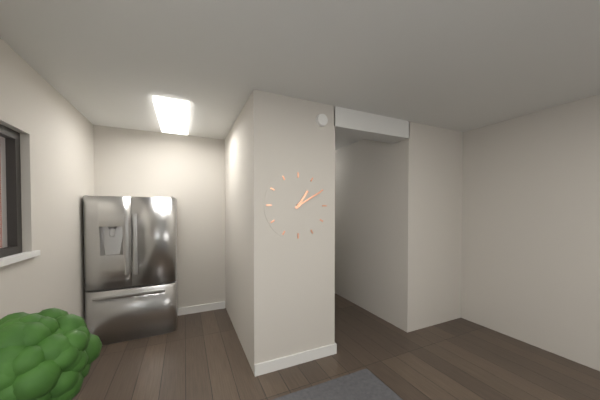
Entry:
1 h 10 min
